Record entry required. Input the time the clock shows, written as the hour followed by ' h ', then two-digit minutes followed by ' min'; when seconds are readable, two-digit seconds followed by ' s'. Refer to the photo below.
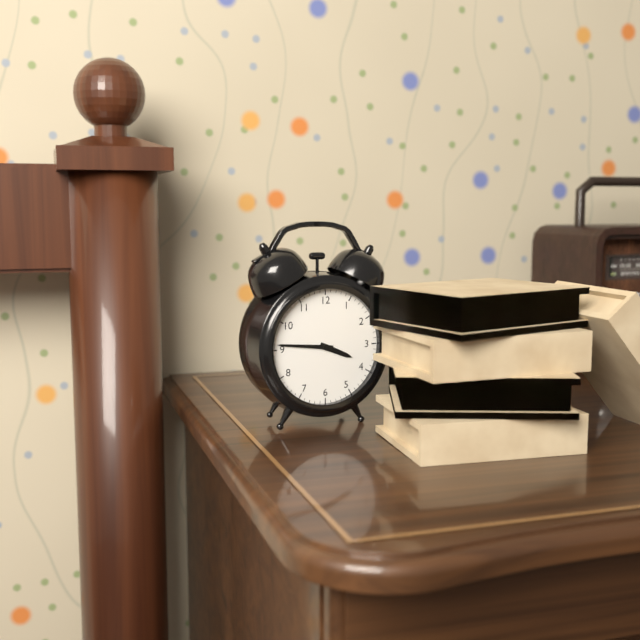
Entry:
3 h 46 min
